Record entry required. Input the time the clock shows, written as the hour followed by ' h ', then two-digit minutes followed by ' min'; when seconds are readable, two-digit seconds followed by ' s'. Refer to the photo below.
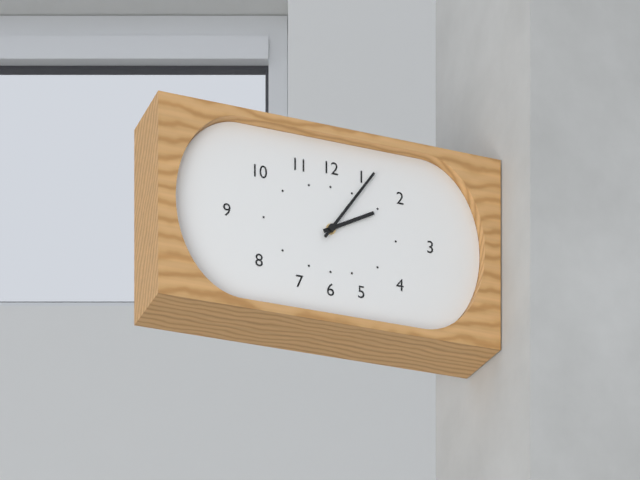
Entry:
2 h 06 min
